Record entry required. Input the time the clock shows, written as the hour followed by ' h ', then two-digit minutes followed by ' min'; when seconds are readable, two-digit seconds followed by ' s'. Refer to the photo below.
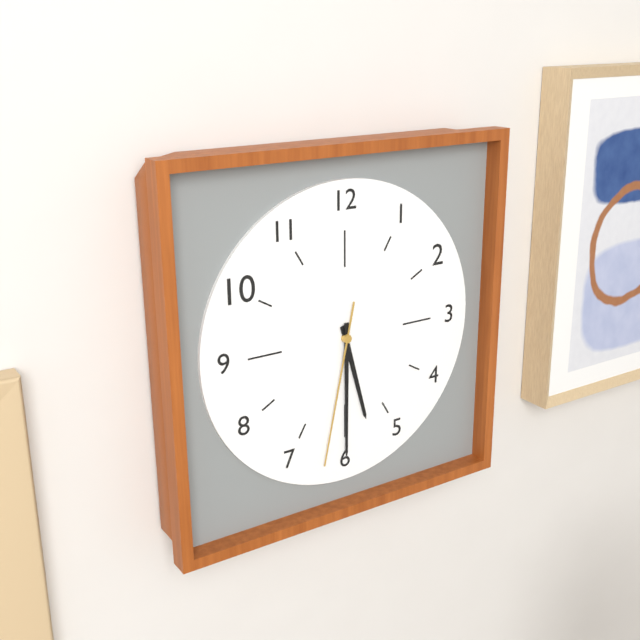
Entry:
5 h 30 min 32 s
